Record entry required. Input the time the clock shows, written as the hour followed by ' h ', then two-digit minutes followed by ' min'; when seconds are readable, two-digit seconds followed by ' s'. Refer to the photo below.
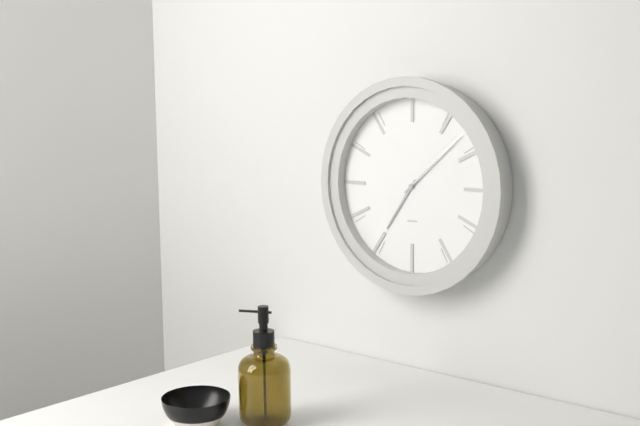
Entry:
7 h 08 min
